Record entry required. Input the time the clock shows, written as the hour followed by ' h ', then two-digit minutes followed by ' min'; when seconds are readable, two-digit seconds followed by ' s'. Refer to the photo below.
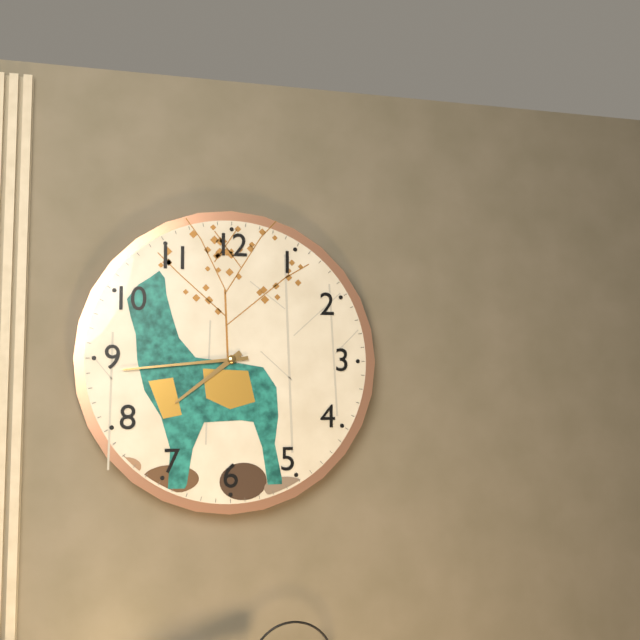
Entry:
7 h 44 min
